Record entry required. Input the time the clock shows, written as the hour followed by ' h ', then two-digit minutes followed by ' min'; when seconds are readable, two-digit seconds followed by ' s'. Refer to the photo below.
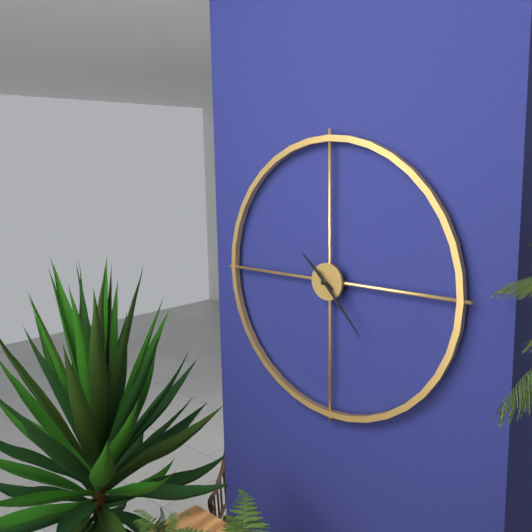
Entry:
10 h 23 min
